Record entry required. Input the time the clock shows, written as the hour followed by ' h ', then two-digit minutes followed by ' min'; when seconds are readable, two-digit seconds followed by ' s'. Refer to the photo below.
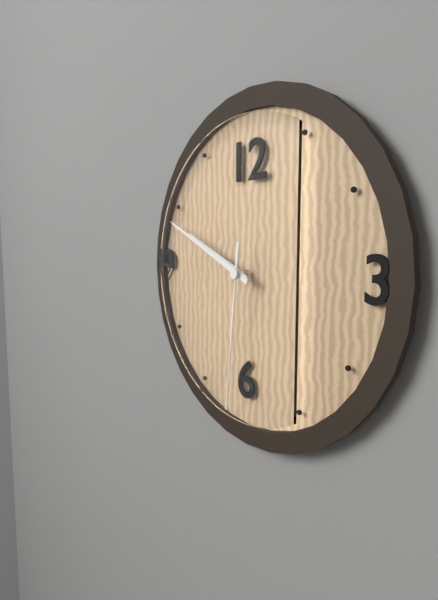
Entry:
9 h 49 min 31 s
